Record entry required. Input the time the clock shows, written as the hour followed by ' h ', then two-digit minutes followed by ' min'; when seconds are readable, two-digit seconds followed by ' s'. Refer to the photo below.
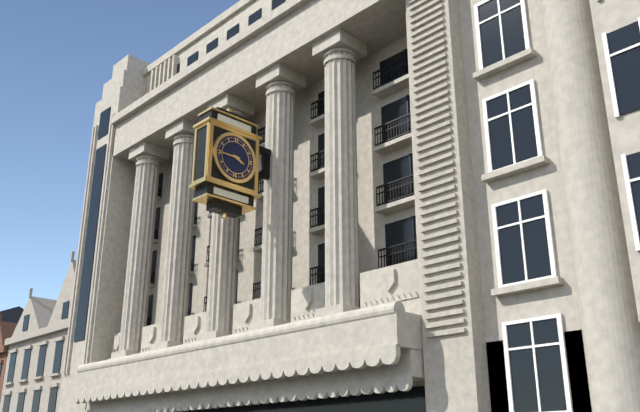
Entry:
3 h 45 min
